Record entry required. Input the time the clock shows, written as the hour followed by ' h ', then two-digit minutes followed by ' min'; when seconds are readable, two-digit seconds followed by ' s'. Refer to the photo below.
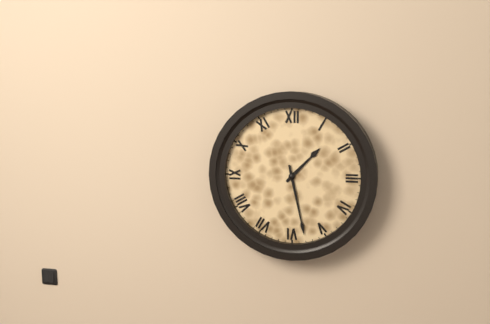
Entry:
1 h 28 min
